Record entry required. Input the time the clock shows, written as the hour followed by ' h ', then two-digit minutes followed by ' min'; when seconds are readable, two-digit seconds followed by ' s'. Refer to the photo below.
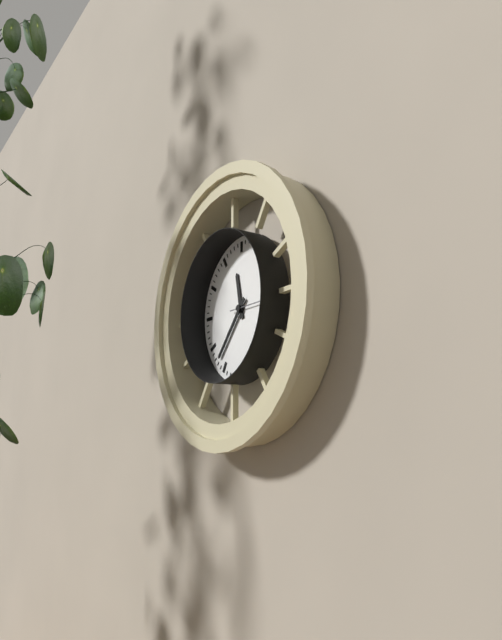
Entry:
11 h 37 min
